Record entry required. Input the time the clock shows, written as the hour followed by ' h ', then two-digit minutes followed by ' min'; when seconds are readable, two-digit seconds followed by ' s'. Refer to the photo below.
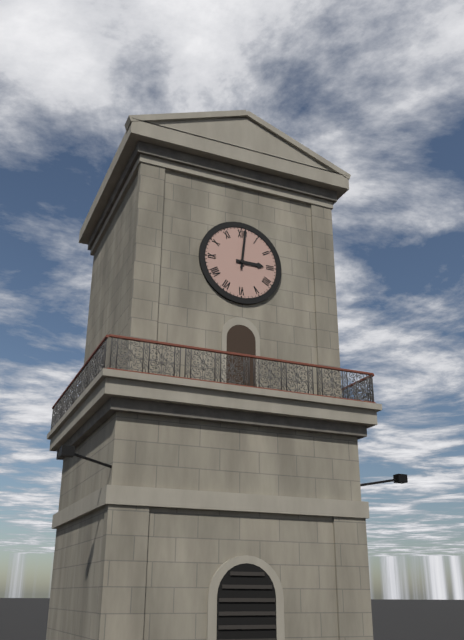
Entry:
3 h 01 min
